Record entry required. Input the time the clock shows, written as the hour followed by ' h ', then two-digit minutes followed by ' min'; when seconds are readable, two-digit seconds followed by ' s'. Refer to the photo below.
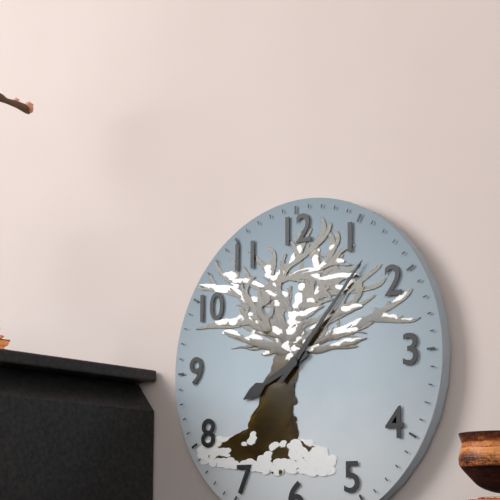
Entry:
8 h 07 min
